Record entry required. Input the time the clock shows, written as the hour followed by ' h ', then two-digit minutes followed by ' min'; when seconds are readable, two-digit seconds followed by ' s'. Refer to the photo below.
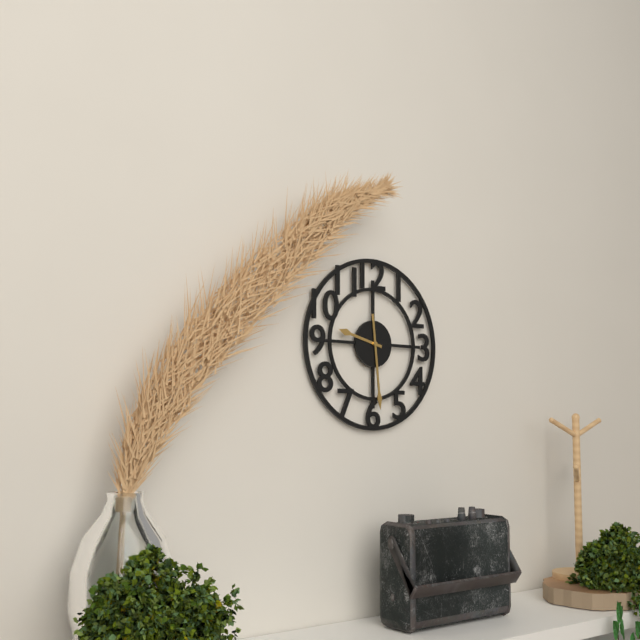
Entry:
9 h 29 min
